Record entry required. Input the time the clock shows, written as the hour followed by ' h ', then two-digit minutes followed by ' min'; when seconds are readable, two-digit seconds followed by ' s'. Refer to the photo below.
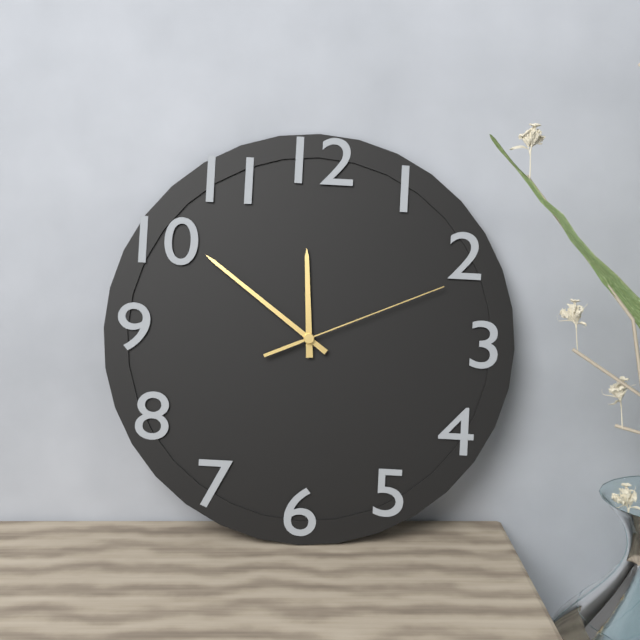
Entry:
11 h 51 min 11 s
